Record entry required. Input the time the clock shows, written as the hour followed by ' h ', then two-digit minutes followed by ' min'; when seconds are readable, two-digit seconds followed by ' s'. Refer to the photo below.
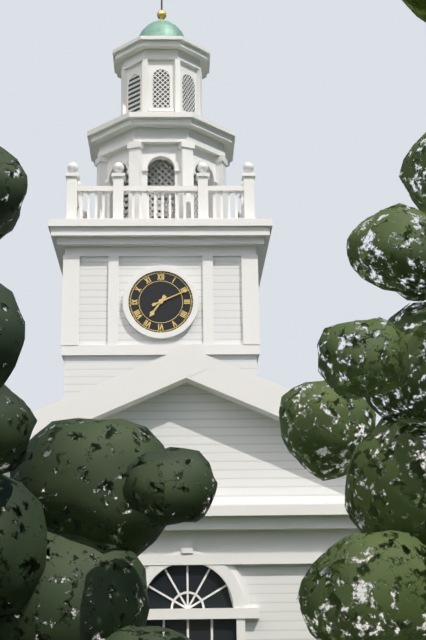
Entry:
7 h 11 min
